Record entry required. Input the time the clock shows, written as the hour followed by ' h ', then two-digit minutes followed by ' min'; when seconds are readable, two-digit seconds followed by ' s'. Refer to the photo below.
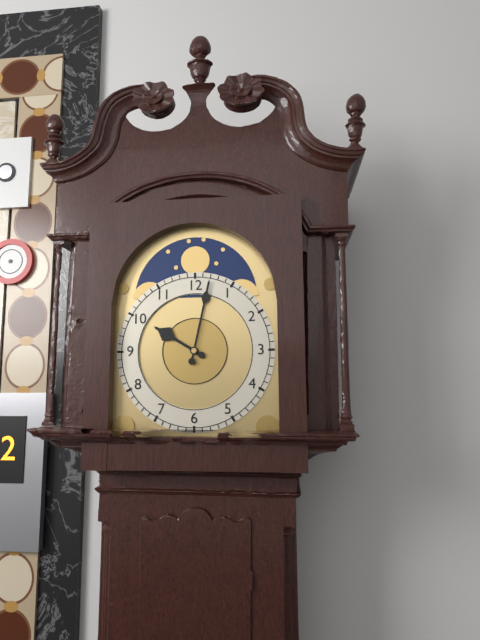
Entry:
10 h 02 min
